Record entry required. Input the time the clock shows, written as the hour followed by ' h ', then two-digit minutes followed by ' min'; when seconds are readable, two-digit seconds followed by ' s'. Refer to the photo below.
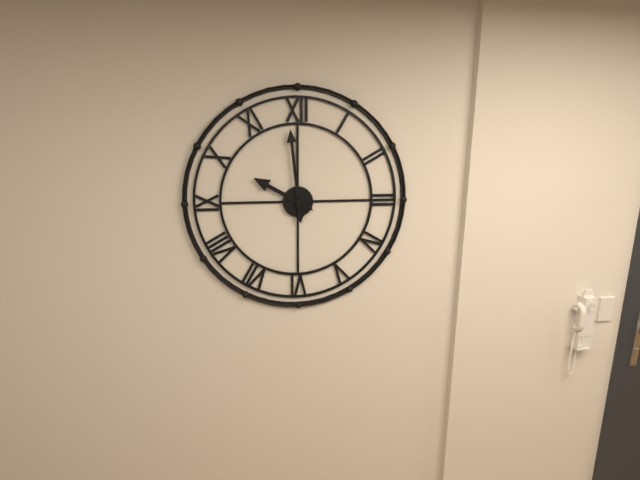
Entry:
9 h 59 min
